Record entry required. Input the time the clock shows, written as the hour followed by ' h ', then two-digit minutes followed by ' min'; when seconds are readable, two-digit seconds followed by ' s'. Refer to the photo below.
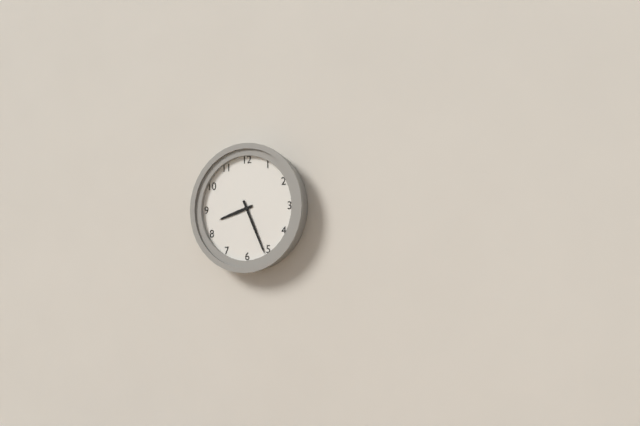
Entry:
8 h 26 min
